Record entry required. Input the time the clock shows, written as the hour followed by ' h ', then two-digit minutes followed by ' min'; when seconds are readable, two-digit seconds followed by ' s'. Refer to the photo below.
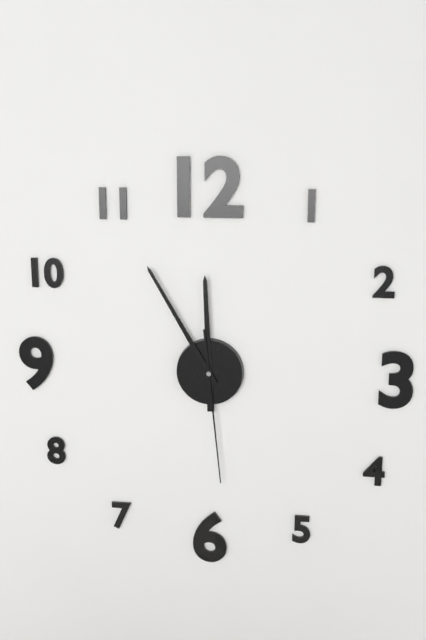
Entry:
11 h 55 min 29 s
